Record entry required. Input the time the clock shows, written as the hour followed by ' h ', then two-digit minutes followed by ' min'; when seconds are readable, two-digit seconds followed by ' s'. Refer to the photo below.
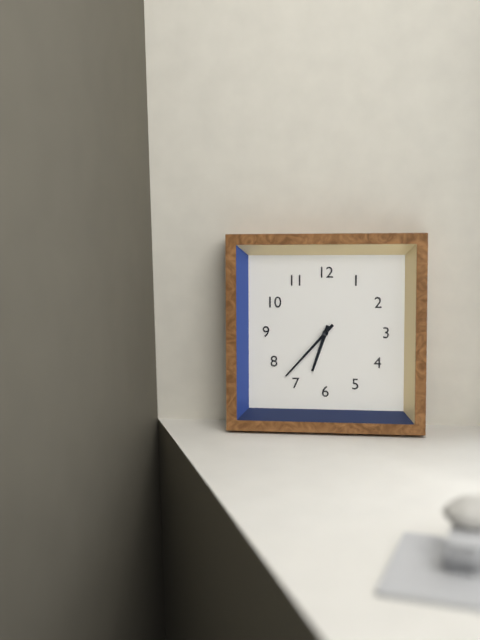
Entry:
6 h 37 min
